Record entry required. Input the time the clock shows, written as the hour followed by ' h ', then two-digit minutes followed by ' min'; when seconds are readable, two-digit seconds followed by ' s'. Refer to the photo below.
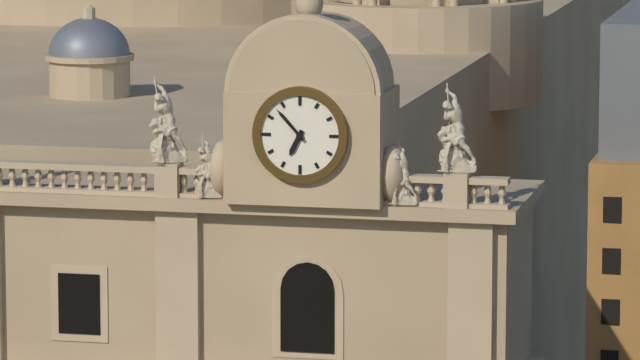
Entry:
6 h 53 min
